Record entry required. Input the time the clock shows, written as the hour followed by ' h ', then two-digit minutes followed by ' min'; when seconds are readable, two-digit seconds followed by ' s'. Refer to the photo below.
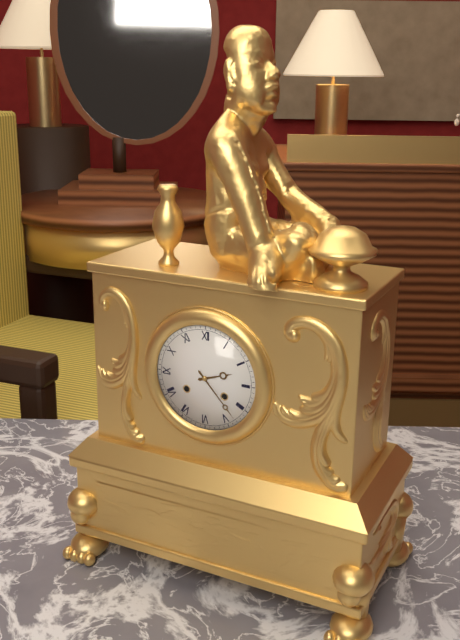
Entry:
2 h 23 min
